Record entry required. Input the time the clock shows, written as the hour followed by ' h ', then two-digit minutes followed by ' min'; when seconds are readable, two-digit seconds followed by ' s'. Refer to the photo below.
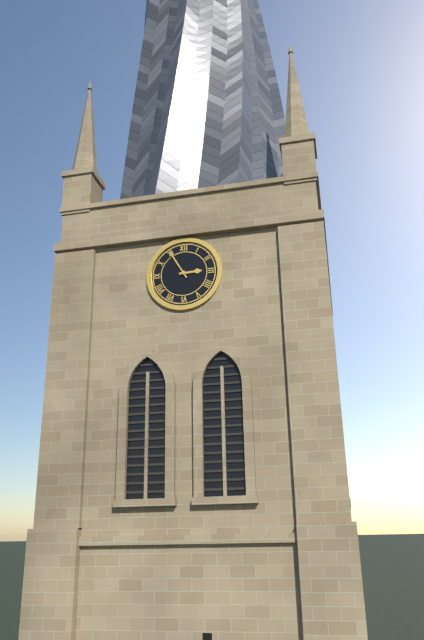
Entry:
2 h 55 min
